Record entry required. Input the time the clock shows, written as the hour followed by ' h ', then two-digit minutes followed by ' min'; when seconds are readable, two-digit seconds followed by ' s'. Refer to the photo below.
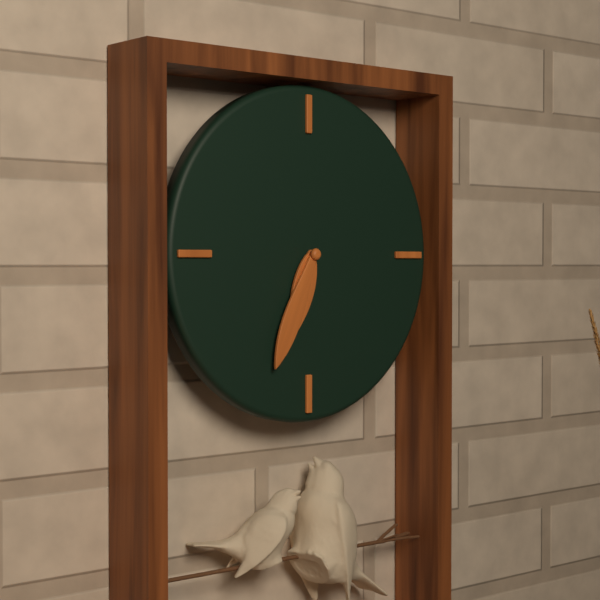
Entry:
6 h 34 min
